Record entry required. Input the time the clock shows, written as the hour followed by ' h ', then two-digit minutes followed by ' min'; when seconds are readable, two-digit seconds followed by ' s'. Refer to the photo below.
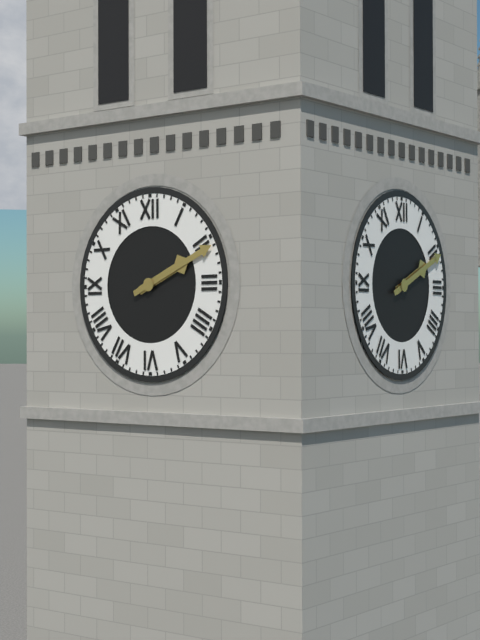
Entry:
2 h 11 min
